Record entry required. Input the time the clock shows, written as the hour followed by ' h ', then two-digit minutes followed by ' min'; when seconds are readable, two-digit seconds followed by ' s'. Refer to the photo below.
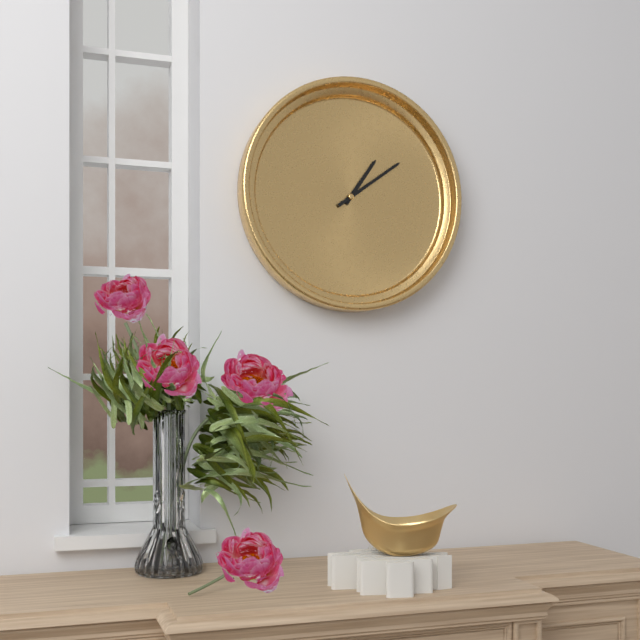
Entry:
1 h 09 min
